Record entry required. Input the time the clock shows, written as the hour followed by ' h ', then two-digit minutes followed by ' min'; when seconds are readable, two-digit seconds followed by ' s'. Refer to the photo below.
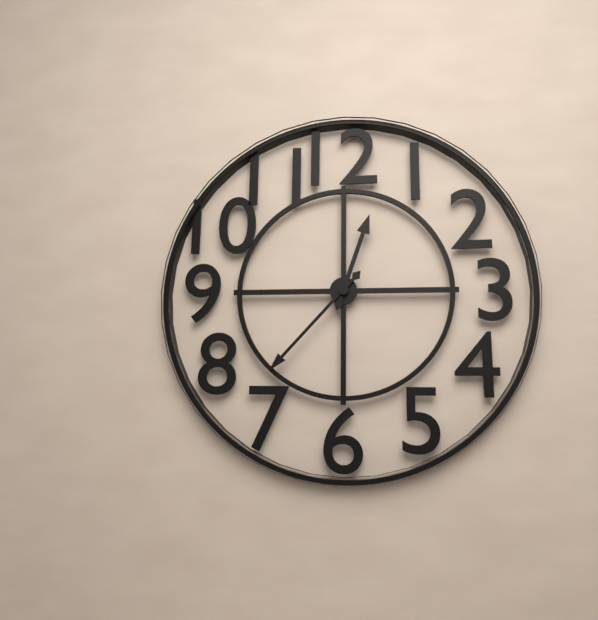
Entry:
12 h 37 min
